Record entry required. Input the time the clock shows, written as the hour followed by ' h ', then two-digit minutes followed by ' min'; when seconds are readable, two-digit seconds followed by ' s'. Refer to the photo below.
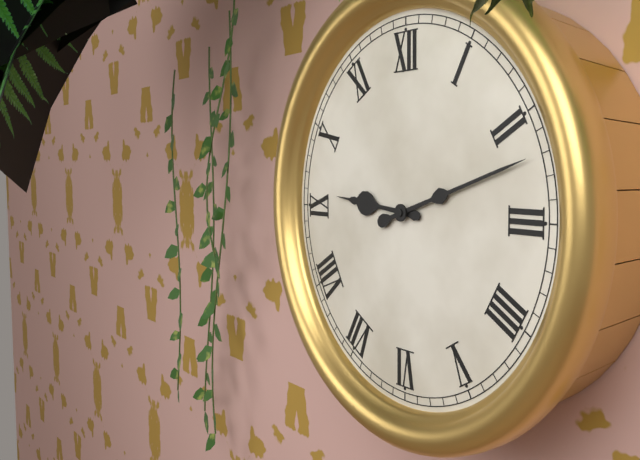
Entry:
9 h 12 min
